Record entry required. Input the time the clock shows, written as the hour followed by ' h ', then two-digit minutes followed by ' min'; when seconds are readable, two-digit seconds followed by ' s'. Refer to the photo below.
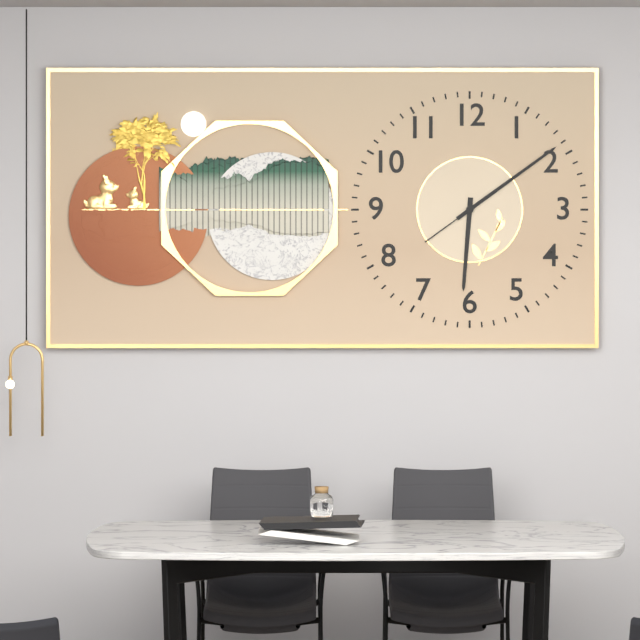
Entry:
6 h 09 min 09 s
